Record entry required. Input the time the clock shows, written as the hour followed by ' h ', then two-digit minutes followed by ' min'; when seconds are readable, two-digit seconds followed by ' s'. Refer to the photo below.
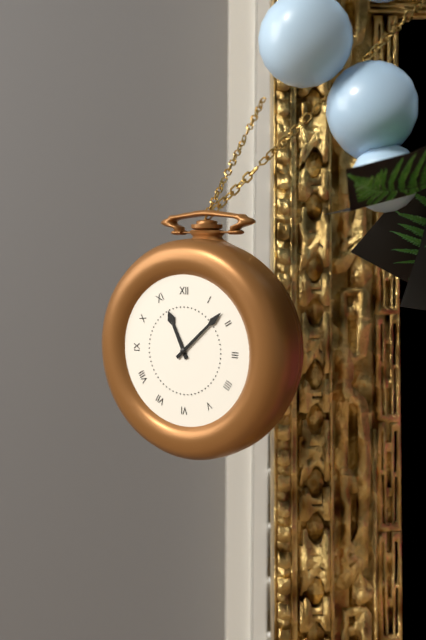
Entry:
11 h 08 min
